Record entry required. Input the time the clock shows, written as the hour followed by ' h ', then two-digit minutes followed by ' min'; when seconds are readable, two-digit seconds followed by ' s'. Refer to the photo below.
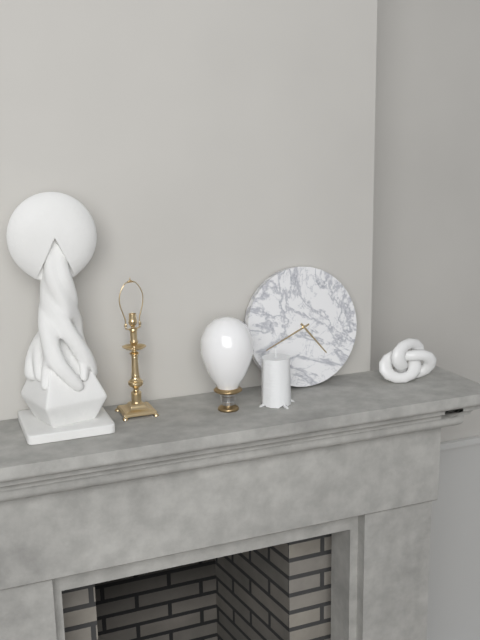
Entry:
4 h 41 min
